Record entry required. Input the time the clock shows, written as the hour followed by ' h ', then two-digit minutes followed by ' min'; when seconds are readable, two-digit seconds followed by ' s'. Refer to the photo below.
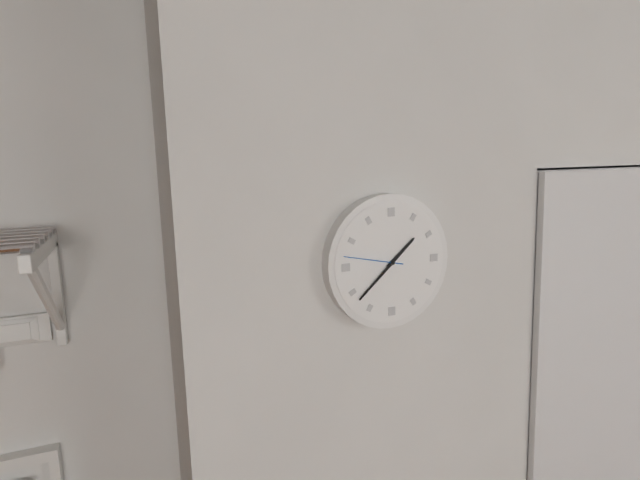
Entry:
1 h 38 min 47 s
